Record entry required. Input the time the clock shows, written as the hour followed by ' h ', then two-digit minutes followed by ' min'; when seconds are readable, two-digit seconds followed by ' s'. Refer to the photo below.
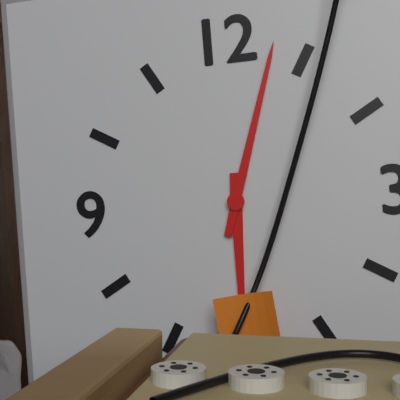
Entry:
6 h 03 min
